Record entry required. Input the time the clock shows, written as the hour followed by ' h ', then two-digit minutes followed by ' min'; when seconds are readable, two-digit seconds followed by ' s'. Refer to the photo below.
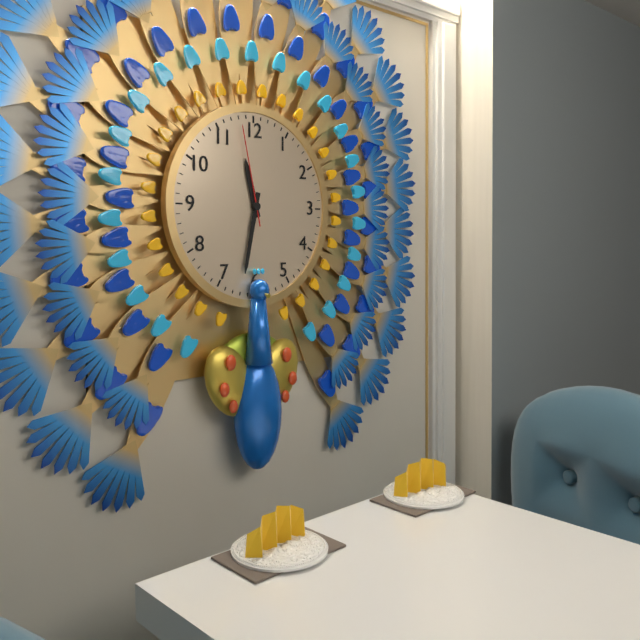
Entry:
11 h 32 min 58 s
